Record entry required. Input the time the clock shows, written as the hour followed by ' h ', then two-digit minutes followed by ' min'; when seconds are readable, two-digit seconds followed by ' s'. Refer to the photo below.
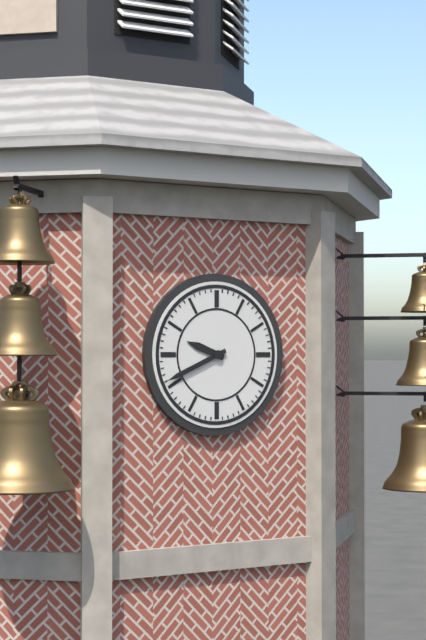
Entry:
9 h 41 min
